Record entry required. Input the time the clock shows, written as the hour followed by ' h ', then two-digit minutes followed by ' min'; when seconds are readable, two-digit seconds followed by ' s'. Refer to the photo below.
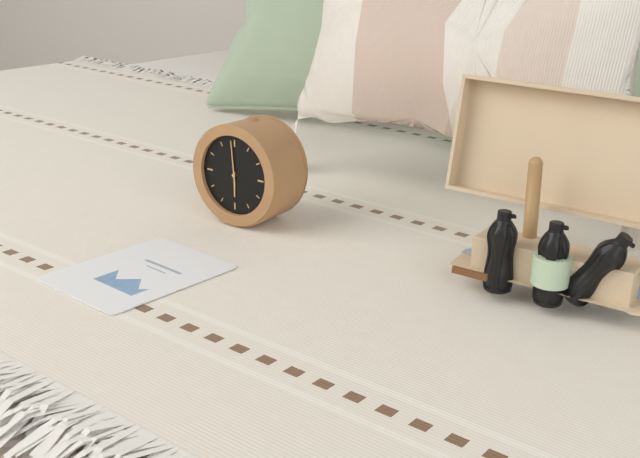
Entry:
5 h 59 min
